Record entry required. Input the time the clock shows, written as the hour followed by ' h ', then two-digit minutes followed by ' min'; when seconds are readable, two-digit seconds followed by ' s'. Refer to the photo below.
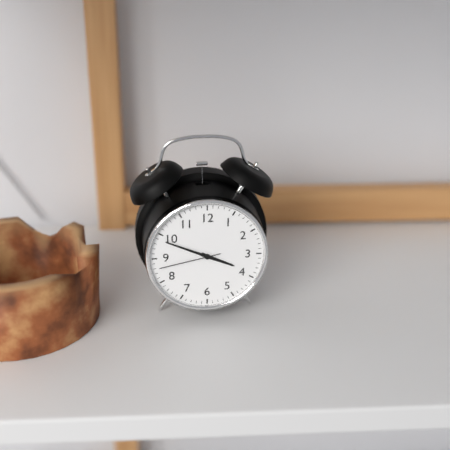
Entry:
3 h 49 min 43 s
